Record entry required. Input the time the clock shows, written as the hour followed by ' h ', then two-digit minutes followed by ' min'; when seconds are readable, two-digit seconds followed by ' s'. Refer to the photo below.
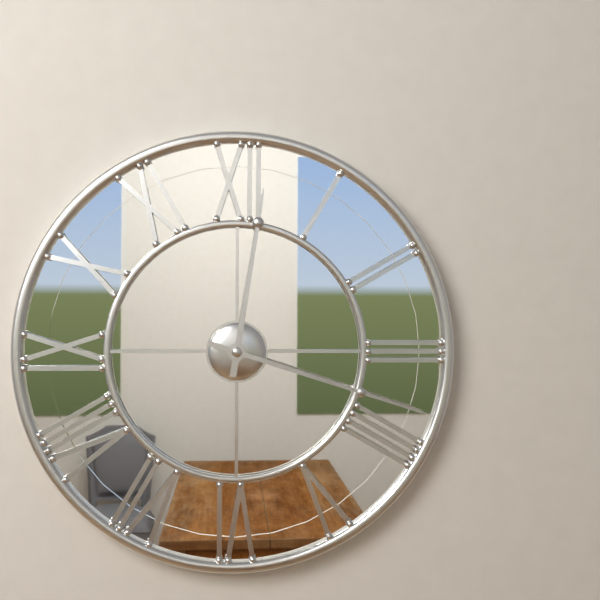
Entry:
12 h 18 min
